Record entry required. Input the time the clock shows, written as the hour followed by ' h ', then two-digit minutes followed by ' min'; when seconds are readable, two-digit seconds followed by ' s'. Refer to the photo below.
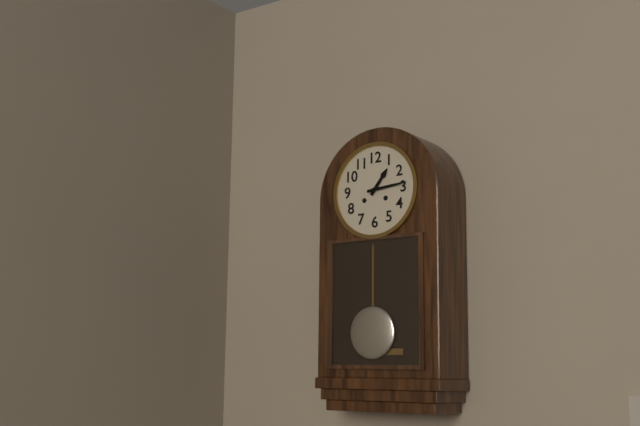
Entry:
1 h 14 min
